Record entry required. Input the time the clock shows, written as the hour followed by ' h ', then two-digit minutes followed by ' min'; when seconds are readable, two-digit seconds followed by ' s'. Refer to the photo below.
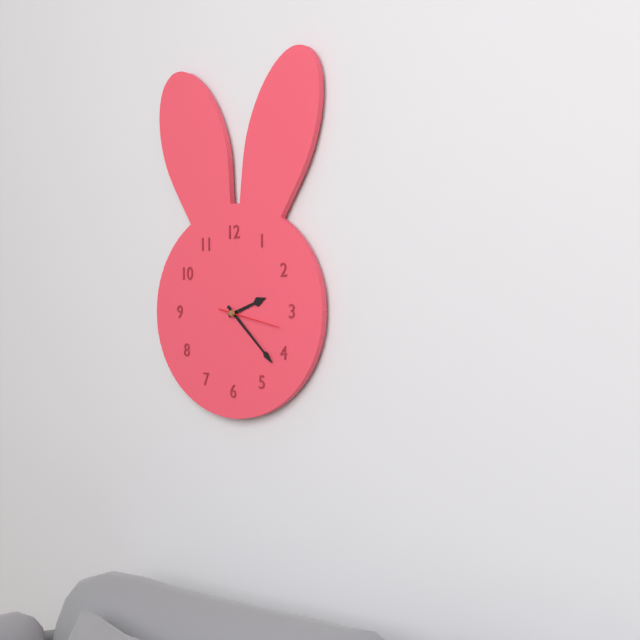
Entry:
2 h 22 min 17 s
